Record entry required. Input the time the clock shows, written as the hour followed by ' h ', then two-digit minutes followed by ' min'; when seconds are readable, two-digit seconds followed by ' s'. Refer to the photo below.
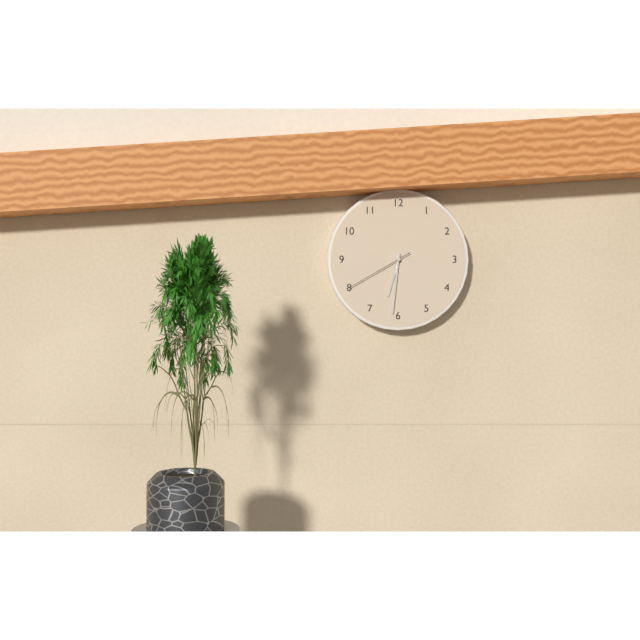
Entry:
6 h 31 min 40 s
